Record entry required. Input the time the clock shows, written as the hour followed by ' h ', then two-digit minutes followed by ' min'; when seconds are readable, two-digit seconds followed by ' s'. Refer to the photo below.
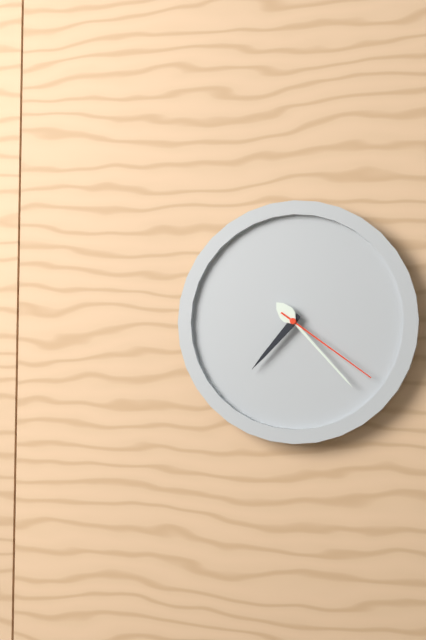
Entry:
7 h 23 min 21 s
